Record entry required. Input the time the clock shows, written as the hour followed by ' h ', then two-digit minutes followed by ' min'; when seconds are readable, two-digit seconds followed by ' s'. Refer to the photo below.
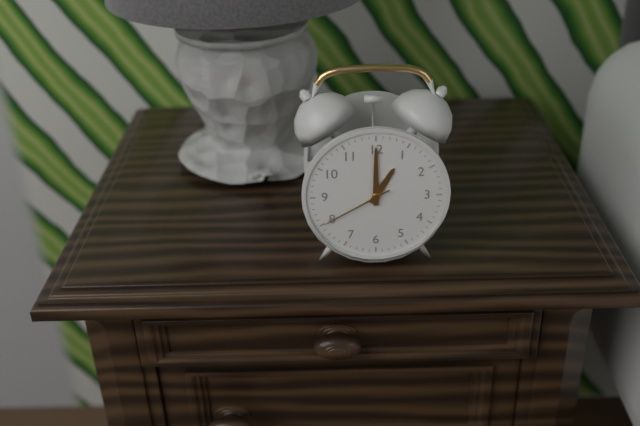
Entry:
1 h 00 min 40 s
